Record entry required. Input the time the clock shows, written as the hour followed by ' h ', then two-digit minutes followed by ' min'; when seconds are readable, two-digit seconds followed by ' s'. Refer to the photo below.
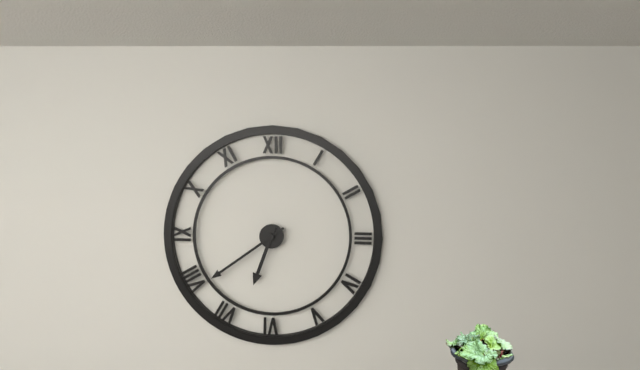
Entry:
6 h 39 min
